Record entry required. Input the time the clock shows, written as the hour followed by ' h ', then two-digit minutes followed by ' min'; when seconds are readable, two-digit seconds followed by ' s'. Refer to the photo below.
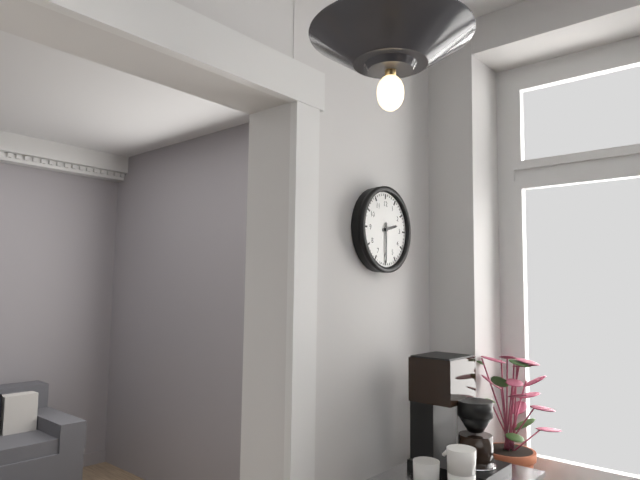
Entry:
2 h 30 min
